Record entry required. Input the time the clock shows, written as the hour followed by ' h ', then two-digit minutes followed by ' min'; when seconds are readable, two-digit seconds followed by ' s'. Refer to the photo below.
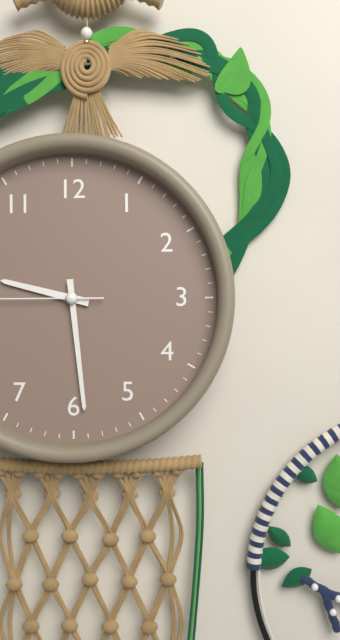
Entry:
9 h 29 min
